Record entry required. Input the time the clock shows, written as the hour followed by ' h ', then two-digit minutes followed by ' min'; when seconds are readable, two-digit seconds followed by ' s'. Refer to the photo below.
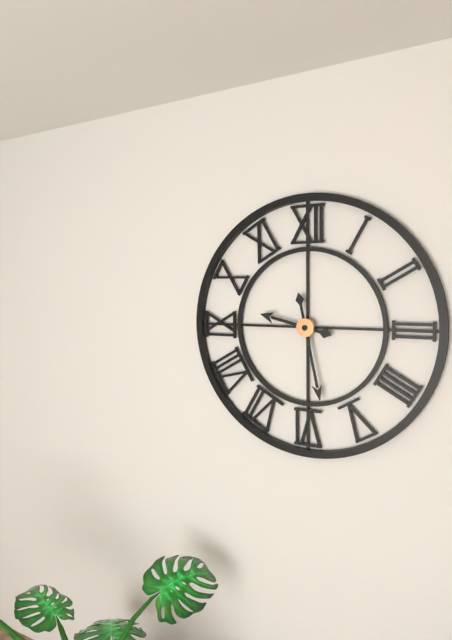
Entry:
9 h 28 min
